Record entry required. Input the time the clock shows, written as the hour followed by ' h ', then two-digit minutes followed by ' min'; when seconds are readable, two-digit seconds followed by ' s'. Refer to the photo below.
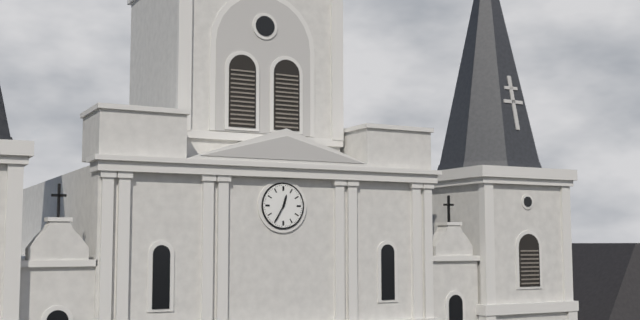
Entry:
12 h 35 min
